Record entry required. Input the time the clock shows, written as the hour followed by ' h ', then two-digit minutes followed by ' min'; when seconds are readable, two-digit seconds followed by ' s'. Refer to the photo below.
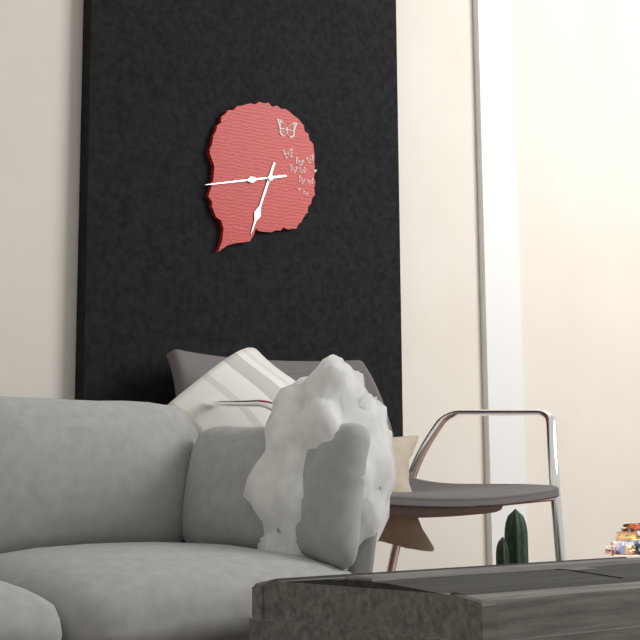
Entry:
6 h 43 min
